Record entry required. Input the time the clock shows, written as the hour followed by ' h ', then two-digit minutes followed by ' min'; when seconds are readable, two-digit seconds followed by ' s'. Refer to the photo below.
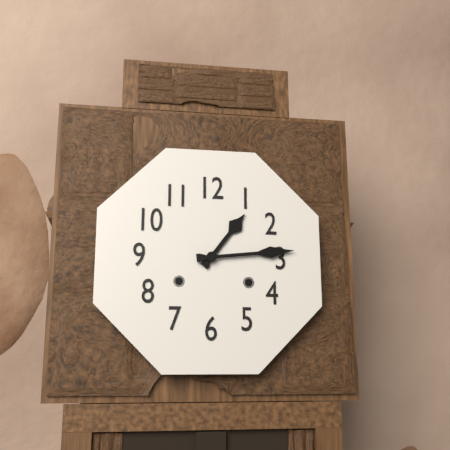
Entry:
1 h 14 min
